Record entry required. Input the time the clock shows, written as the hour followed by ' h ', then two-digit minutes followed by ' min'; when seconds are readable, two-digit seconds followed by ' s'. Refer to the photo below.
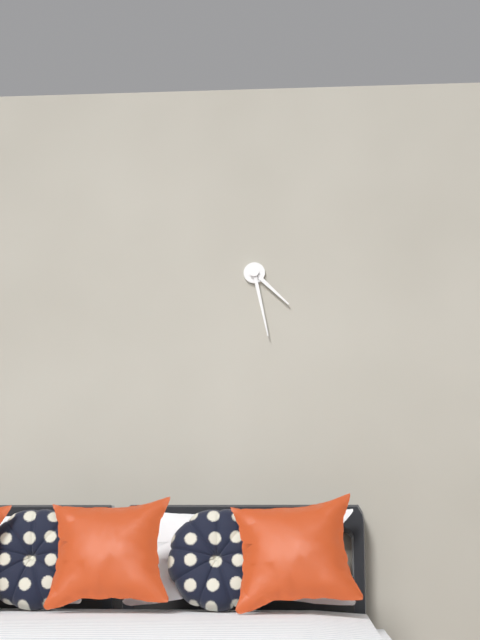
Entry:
4 h 28 min
